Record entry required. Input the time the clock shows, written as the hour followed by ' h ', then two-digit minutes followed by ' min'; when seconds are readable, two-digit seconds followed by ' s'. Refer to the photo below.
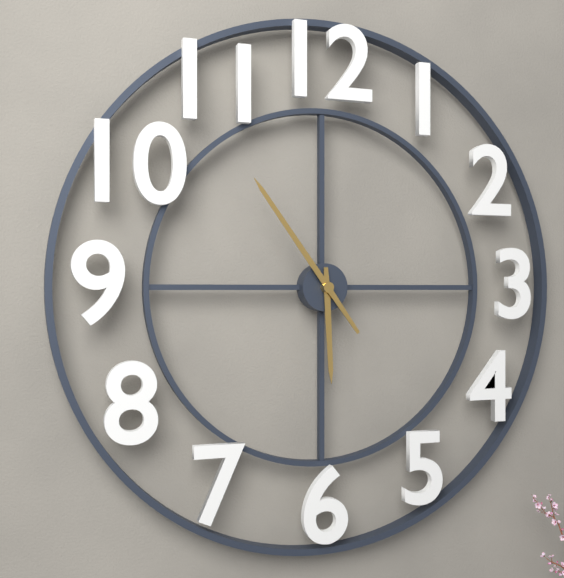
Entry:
5 h 54 min
